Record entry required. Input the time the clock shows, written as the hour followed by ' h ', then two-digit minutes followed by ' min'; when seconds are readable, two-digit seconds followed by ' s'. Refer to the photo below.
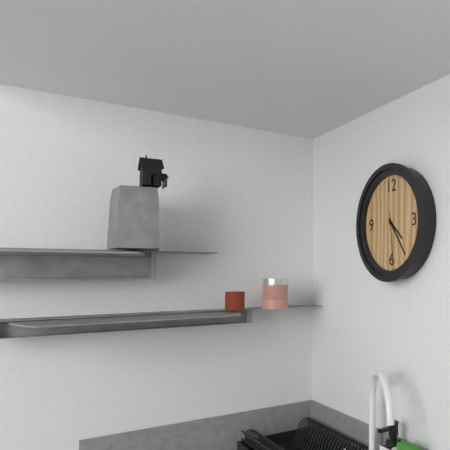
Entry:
4 h 24 min 29 s
